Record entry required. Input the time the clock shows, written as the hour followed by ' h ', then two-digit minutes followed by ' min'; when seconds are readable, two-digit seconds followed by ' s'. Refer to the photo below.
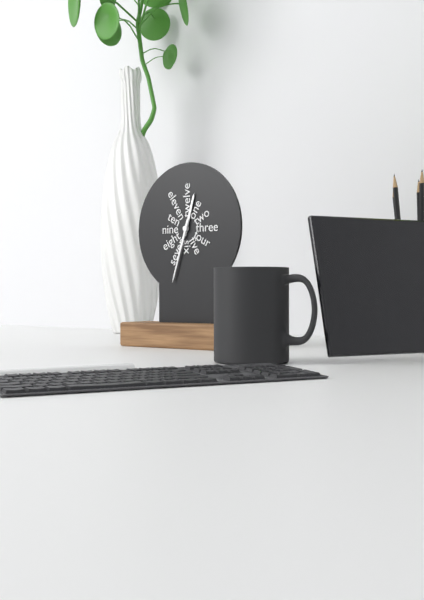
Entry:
12 h 33 min
